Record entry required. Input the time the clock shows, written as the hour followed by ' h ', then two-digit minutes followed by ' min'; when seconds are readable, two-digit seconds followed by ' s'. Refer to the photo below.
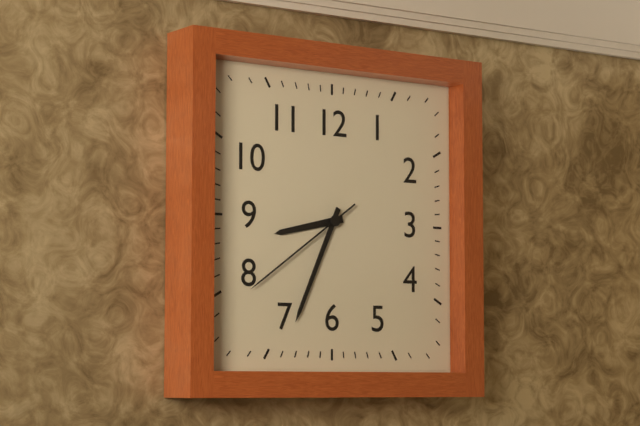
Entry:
8 h 34 min 39 s
